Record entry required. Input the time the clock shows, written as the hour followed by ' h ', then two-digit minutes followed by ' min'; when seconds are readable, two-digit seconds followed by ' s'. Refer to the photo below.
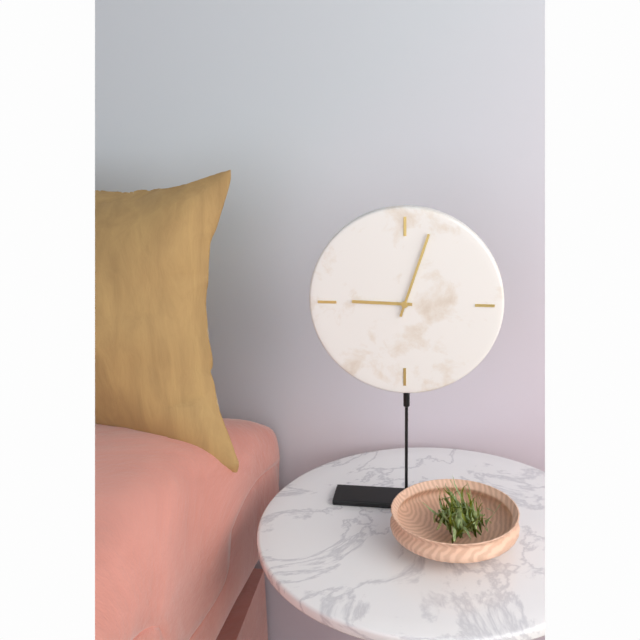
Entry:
9 h 03 min
